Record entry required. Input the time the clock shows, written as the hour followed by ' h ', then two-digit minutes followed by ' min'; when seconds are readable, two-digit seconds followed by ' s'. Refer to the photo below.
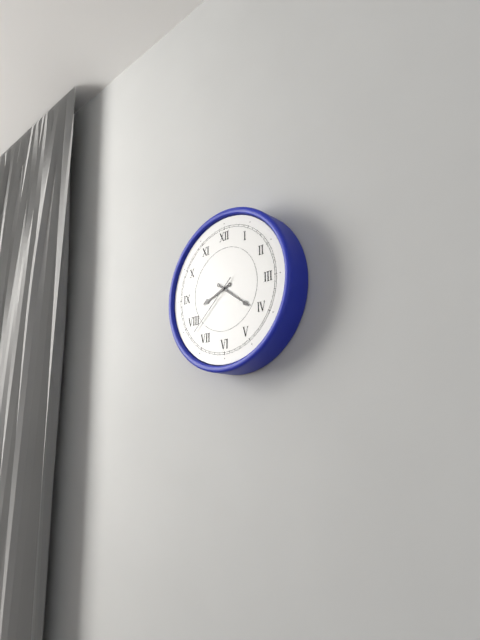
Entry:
8 h 21 min 38 s
